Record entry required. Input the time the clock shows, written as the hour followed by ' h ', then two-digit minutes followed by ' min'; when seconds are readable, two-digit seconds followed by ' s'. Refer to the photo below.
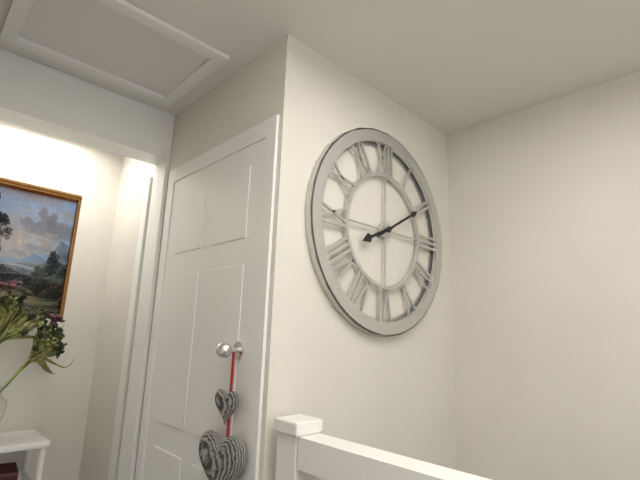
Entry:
8 h 10 min
